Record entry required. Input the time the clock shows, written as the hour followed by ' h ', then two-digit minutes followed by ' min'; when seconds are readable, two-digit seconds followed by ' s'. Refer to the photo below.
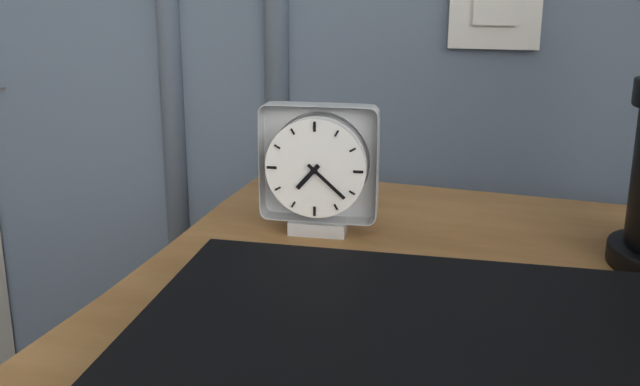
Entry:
7 h 22 min
